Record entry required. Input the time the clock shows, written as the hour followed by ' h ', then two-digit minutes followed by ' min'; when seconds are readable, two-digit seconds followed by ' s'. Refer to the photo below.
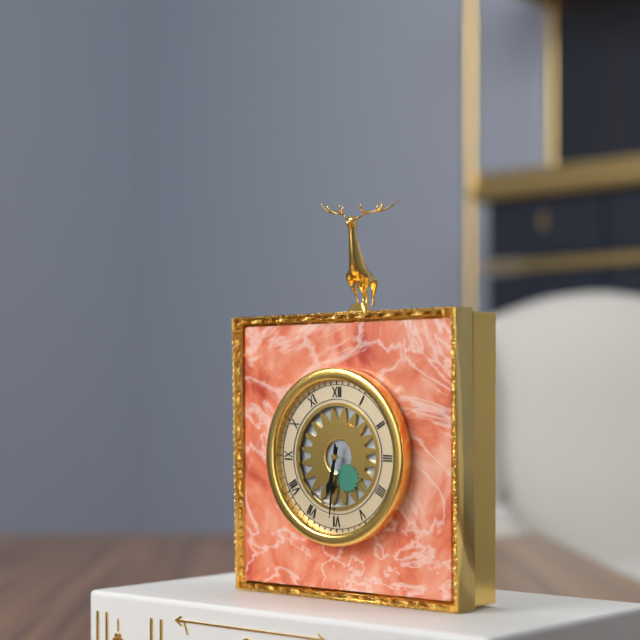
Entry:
6 h 31 min
